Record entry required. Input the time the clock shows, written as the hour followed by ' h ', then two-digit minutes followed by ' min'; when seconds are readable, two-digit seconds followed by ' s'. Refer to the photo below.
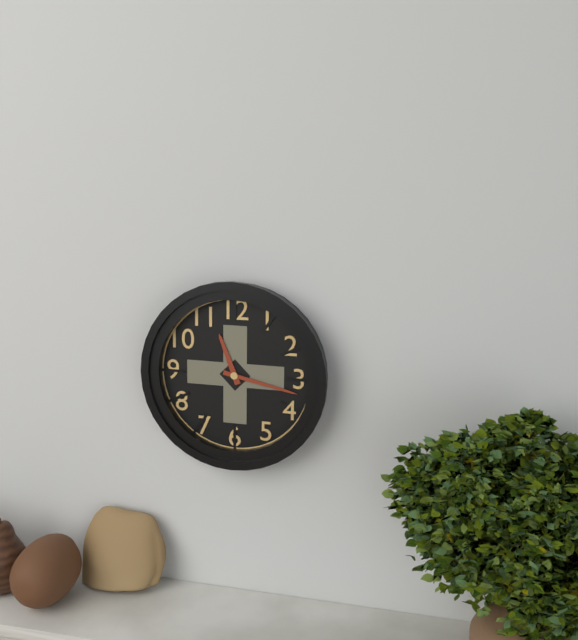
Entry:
11 h 17 min
